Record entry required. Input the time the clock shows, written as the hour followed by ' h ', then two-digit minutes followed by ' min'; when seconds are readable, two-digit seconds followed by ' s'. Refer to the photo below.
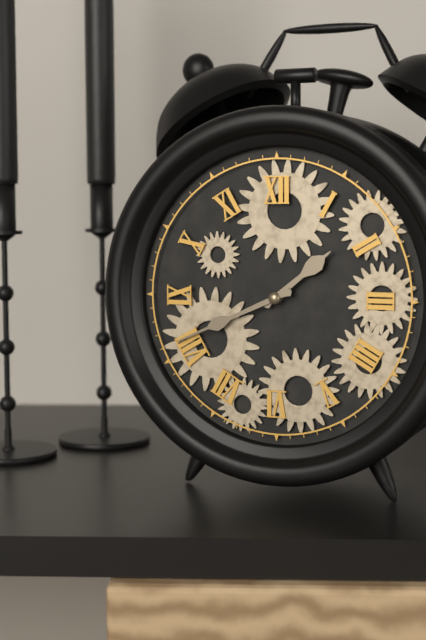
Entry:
1 h 41 min
